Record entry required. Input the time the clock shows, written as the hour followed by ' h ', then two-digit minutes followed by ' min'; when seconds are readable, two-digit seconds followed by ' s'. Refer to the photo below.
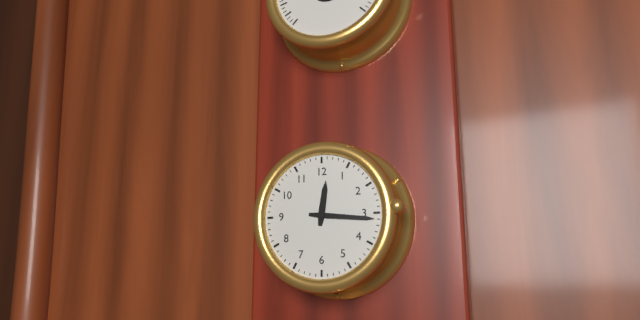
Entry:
12 h 16 min
